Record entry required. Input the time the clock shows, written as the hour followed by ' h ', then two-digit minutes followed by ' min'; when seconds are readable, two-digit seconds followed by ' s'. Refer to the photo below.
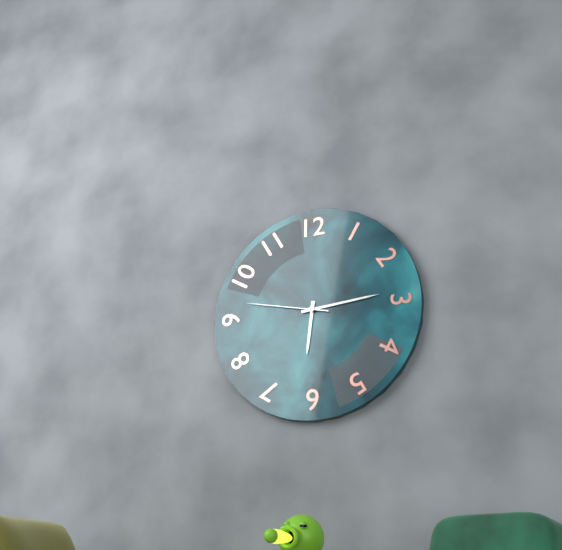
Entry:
6 h 14 min 47 s
